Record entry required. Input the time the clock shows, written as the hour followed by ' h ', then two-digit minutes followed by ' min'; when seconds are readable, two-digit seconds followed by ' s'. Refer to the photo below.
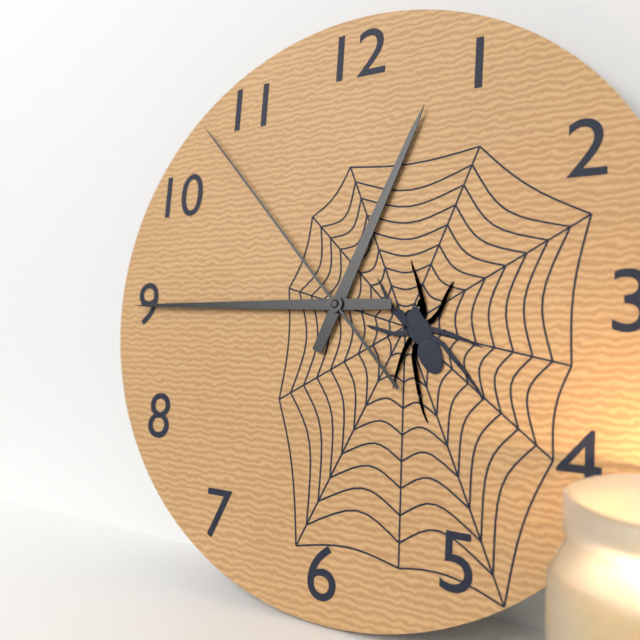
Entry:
12 h 45 min 53 s
